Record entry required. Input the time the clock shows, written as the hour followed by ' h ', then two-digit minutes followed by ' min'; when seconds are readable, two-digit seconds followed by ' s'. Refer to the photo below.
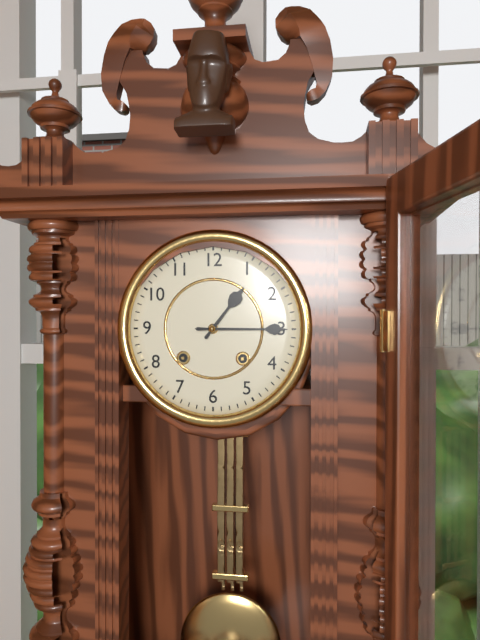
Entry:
1 h 15 min
